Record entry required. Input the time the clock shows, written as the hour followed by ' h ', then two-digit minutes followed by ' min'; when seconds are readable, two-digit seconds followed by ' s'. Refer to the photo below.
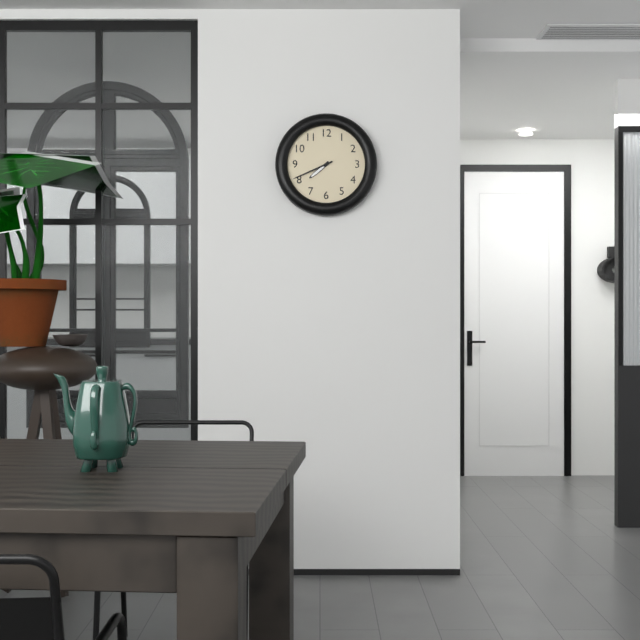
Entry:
7 h 41 min
